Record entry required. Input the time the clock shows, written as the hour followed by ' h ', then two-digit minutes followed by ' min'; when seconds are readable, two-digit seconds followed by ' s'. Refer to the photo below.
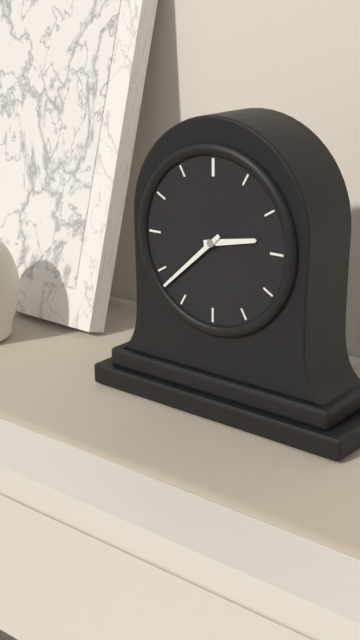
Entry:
2 h 38 min
